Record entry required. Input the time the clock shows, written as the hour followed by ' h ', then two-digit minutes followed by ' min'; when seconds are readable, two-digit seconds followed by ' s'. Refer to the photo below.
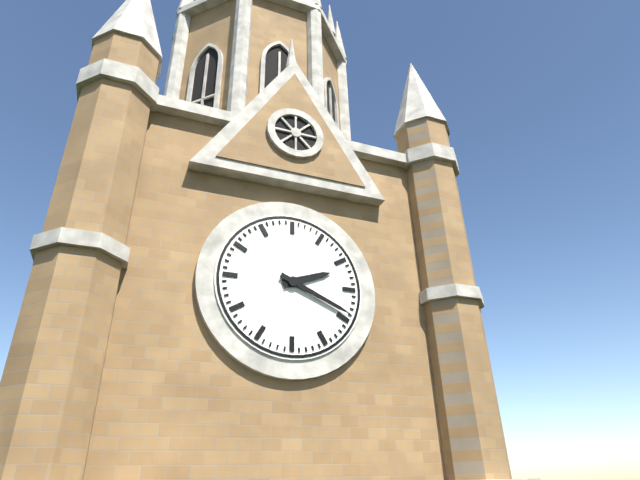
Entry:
2 h 19 min
